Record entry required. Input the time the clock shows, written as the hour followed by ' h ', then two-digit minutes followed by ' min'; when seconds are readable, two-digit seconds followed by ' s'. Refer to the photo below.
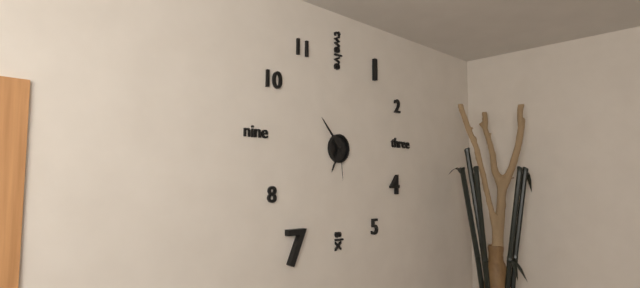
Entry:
6 h 53 min
